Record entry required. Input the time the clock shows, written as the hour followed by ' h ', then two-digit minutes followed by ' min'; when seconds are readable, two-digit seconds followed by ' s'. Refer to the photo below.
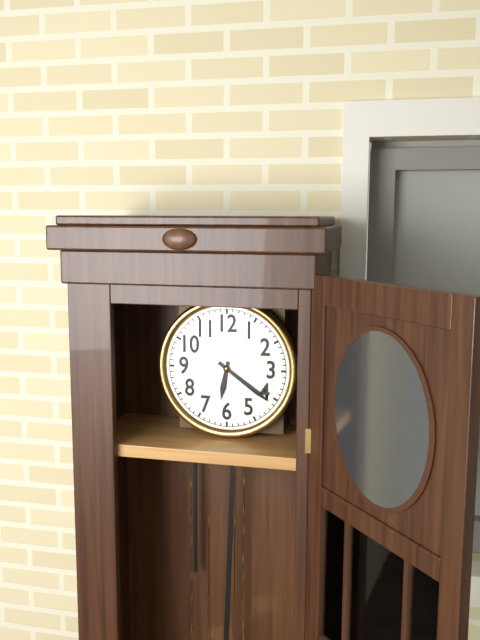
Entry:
6 h 21 min
